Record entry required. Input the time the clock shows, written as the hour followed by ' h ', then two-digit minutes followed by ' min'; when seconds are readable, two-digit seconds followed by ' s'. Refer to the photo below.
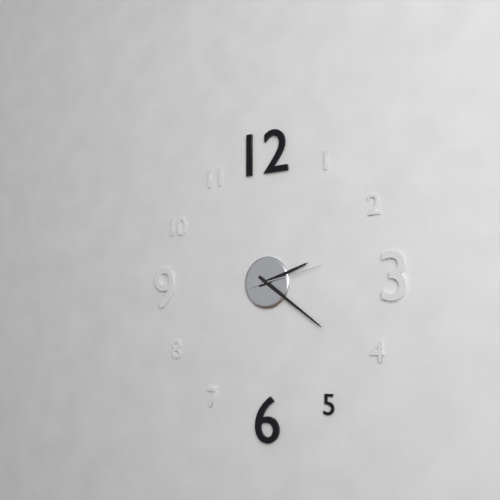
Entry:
2 h 21 min 13 s
